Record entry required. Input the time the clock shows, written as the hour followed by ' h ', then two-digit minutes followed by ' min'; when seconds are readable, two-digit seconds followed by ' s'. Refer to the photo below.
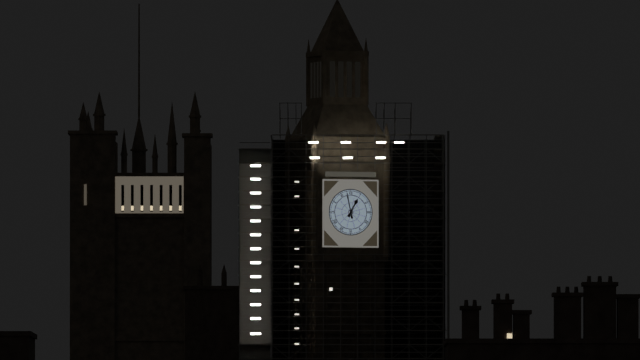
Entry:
12 h 58 min
